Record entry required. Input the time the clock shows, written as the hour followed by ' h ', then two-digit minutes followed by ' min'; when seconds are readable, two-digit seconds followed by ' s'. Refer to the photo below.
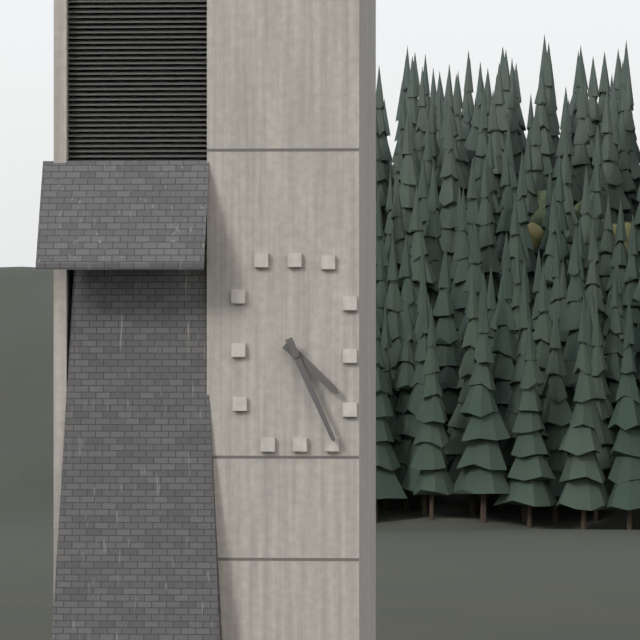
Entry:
4 h 26 min
